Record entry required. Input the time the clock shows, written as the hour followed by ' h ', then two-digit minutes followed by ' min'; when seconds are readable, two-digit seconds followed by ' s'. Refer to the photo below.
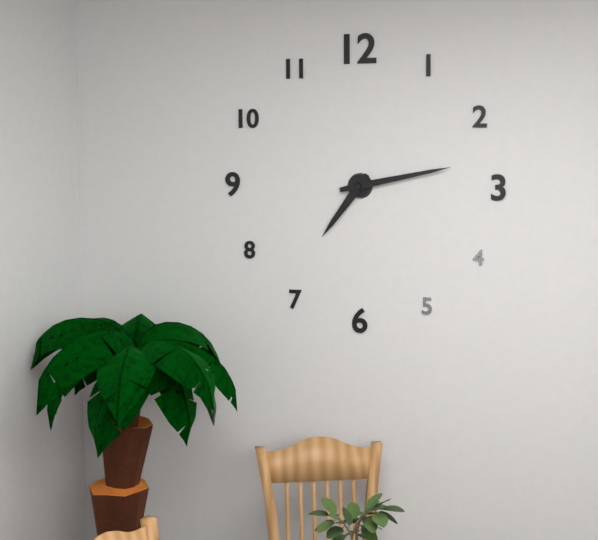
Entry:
7 h 13 min
